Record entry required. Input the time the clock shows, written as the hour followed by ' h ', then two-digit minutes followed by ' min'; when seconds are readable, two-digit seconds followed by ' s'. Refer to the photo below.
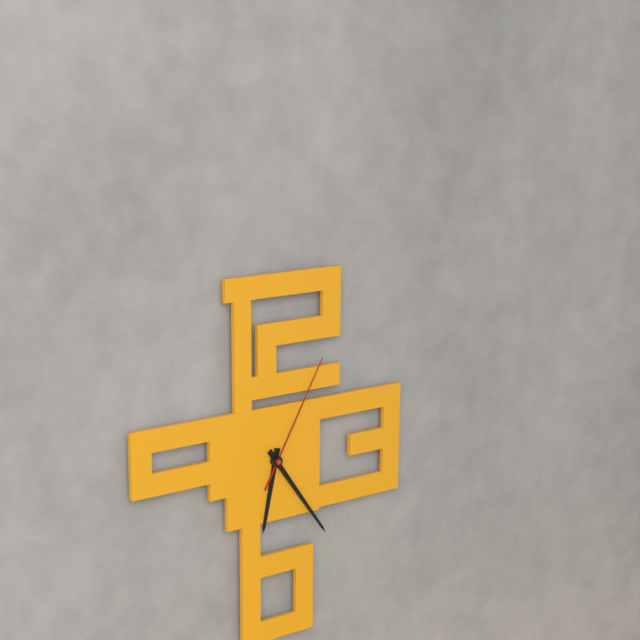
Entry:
6 h 24 min 05 s
